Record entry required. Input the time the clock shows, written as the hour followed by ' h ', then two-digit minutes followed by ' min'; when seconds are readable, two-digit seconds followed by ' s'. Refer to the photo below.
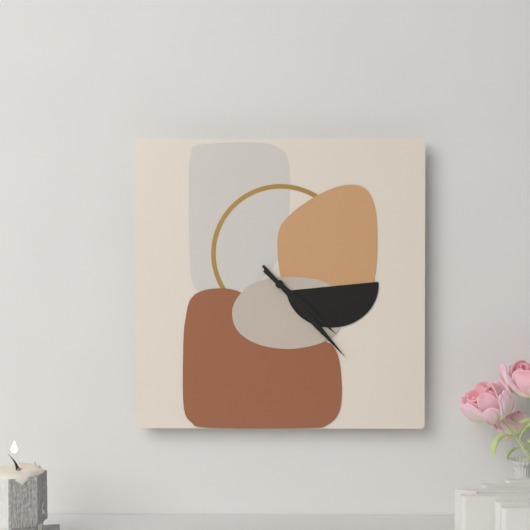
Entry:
4 h 23 min
